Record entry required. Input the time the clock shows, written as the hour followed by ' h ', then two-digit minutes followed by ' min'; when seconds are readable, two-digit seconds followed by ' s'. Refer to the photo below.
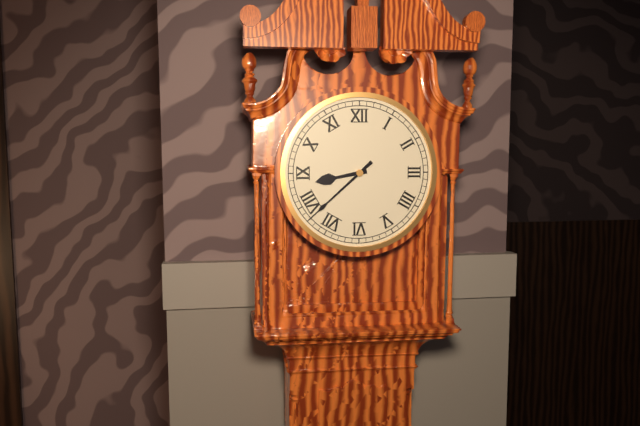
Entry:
8 h 38 min
